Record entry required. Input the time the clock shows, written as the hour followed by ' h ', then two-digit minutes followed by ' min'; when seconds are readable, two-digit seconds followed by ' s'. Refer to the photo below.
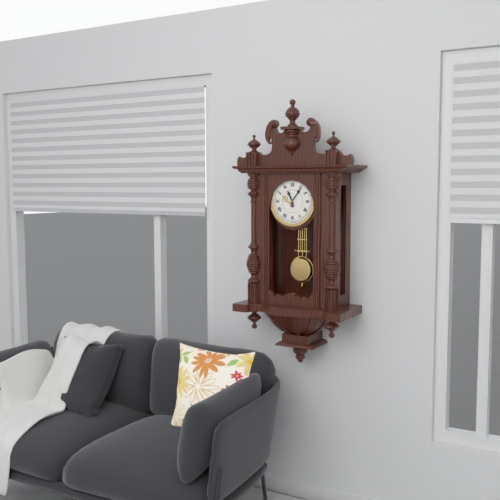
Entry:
11 h 06 min
